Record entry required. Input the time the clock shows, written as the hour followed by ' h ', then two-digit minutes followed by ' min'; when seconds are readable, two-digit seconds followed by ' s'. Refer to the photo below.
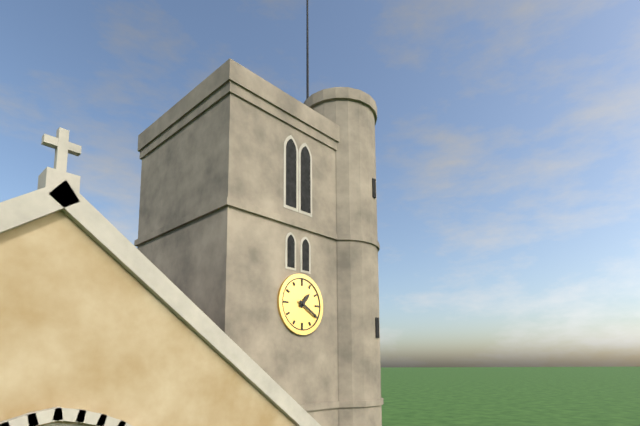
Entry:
1 h 20 min
